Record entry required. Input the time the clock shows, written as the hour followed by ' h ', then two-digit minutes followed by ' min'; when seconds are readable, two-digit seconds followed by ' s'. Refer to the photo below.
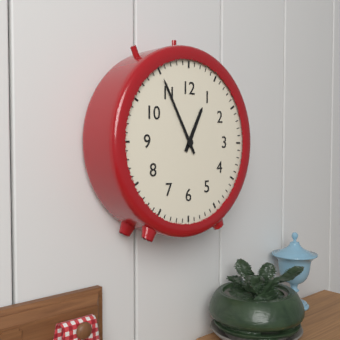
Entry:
12 h 55 min
